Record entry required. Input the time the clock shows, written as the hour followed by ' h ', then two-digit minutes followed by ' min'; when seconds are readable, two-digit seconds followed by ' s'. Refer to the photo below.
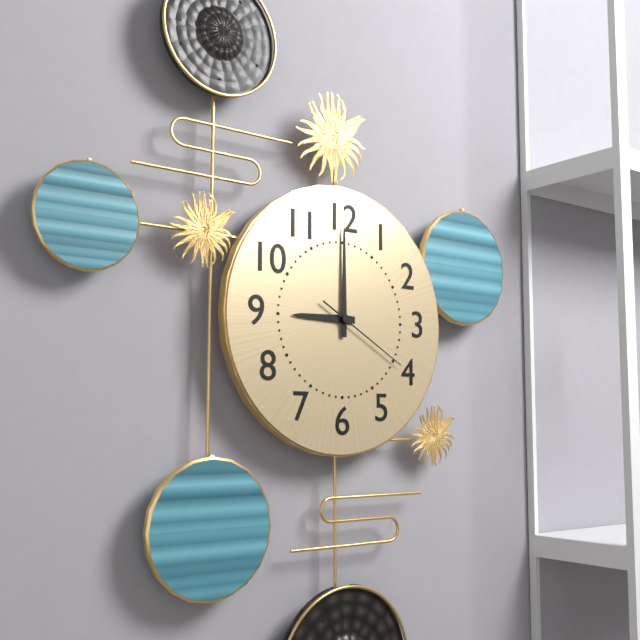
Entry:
9 h 00 min 20 s
